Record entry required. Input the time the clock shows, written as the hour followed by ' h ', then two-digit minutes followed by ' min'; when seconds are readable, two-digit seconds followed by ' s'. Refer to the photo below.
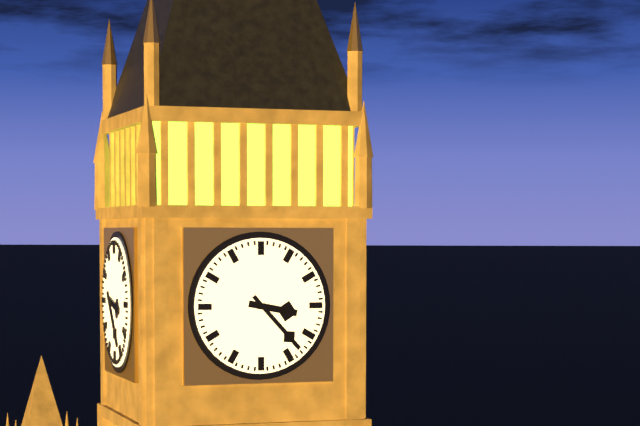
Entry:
3 h 23 min
